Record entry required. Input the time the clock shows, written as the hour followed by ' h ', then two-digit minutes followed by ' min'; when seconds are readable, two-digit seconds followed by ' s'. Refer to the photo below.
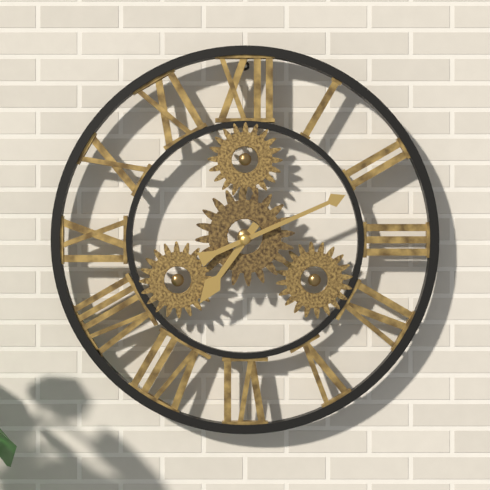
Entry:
7 h 11 min
